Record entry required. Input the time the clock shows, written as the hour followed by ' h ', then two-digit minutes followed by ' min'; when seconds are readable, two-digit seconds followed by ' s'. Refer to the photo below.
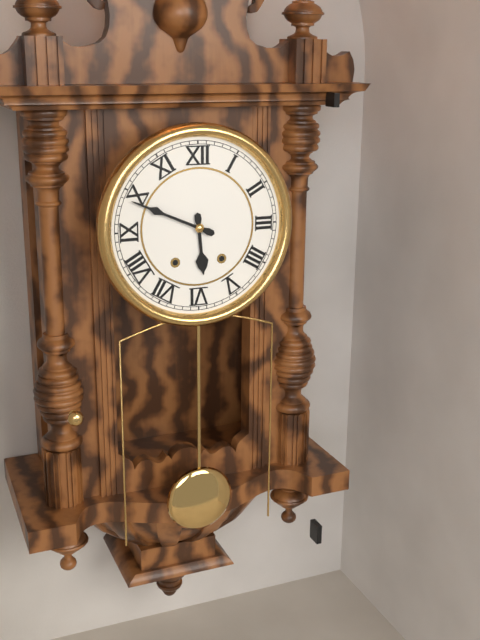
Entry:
5 h 49 min
